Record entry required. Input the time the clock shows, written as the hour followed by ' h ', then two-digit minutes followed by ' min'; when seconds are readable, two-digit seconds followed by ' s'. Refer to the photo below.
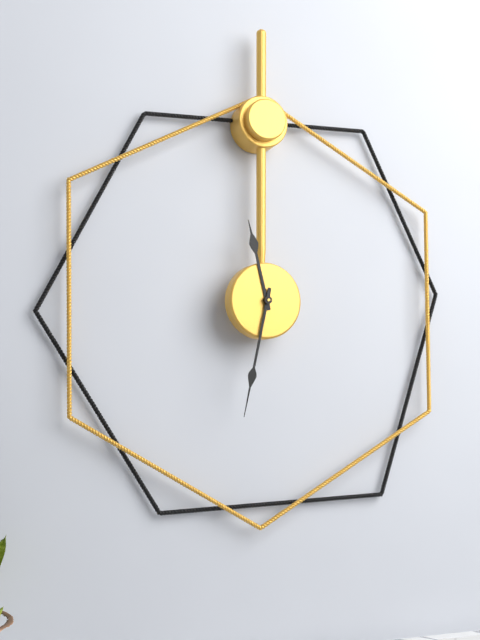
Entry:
11 h 32 min
